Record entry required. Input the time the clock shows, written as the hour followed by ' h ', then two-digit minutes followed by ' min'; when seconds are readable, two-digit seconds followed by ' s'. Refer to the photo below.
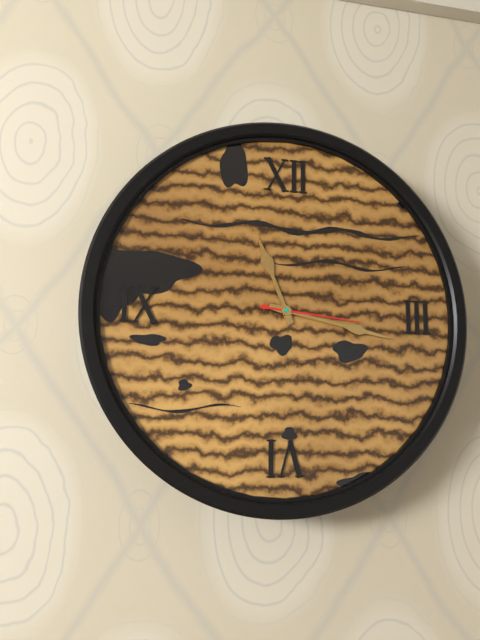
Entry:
11 h 17 min 16 s
